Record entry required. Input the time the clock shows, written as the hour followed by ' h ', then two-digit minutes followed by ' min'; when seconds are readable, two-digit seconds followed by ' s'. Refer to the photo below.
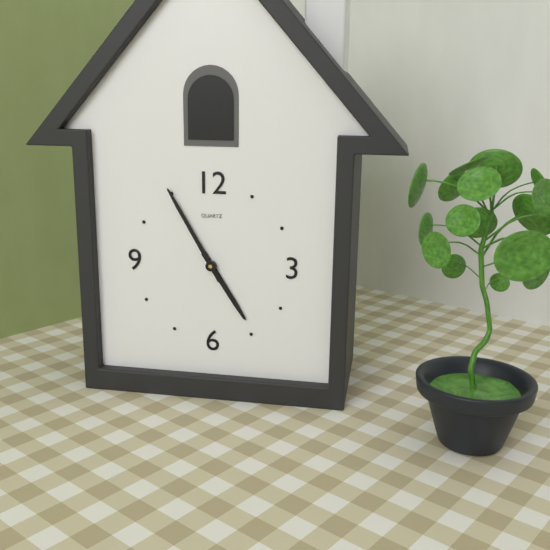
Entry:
4 h 55 min
